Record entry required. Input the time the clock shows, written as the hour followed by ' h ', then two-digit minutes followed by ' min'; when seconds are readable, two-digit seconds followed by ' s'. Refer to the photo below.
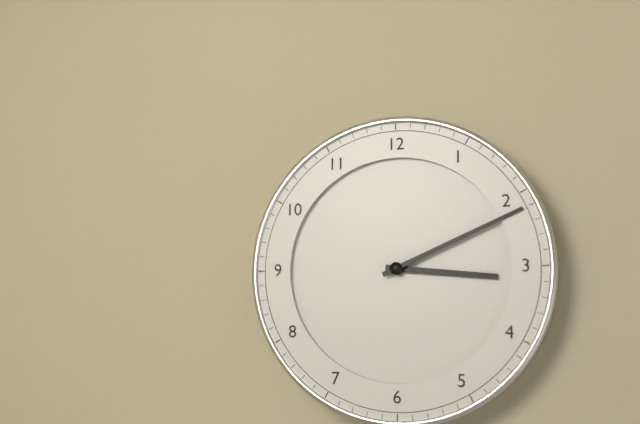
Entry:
3 h 11 min
